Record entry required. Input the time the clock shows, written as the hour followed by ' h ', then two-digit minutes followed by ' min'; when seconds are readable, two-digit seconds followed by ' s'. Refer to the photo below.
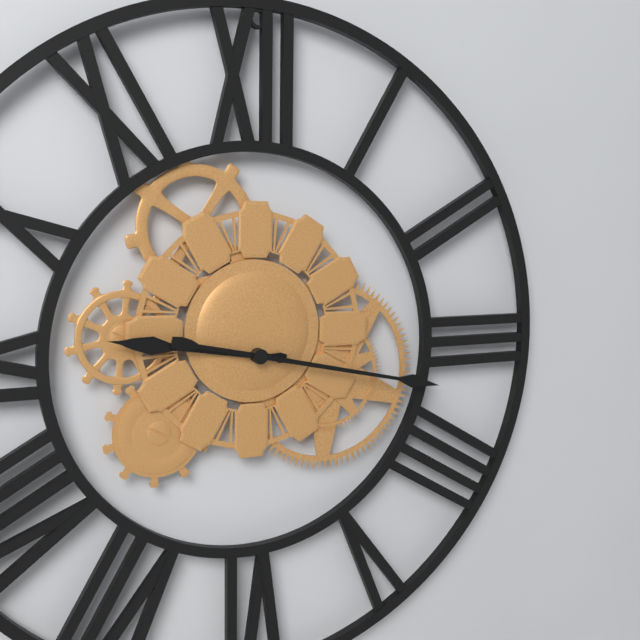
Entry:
9 h 17 min
